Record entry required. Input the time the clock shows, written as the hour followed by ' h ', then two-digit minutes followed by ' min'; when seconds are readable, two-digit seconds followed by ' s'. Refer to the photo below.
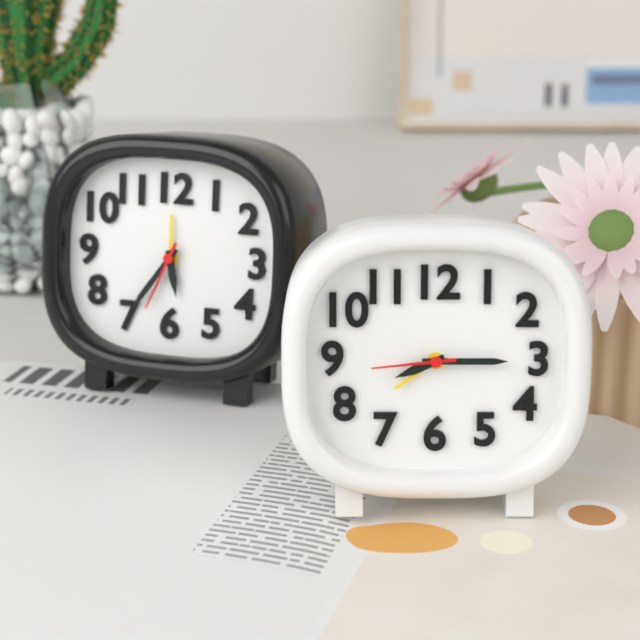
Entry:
8 h 15 min 44 s
